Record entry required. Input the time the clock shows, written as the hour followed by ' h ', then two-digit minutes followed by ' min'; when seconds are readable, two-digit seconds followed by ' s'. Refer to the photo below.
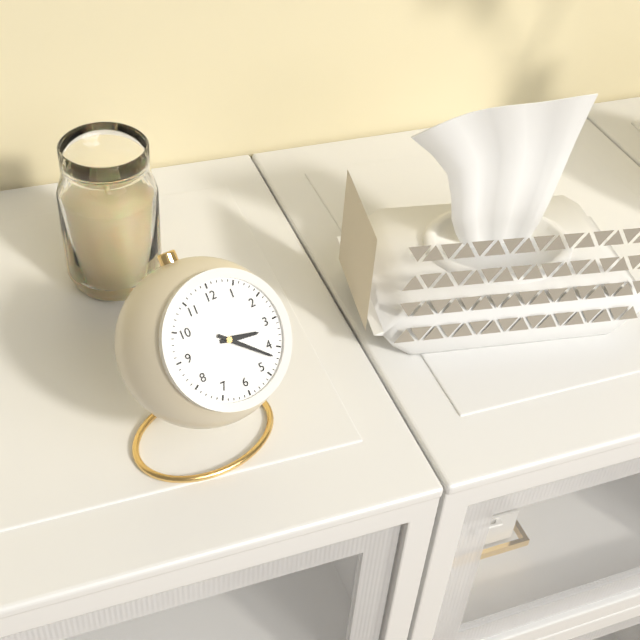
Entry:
3 h 22 min
